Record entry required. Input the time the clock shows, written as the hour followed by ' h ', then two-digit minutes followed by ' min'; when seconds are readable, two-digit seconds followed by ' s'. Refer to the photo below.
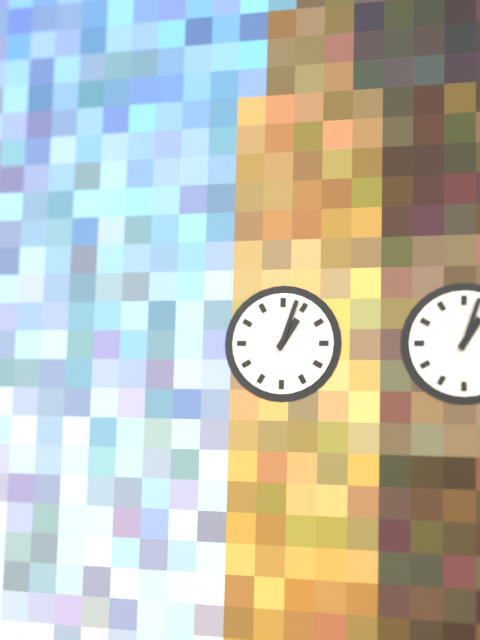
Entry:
1 h 03 min
